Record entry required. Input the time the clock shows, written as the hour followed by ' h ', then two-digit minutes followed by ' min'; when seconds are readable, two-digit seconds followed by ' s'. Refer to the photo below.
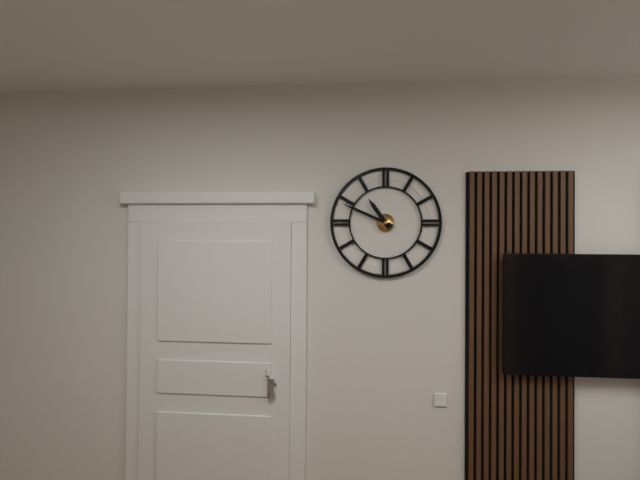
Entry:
10 h 49 min
